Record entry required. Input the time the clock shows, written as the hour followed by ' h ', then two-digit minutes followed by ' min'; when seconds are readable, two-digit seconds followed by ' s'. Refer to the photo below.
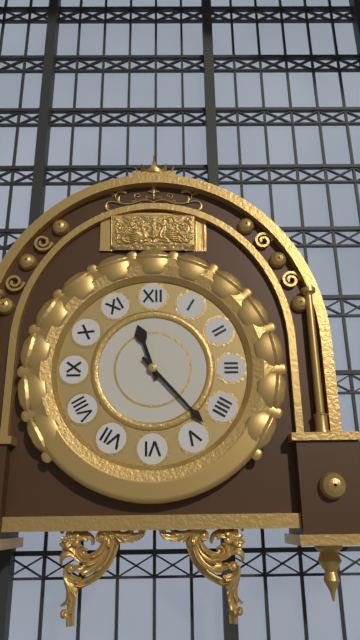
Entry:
11 h 23 min
